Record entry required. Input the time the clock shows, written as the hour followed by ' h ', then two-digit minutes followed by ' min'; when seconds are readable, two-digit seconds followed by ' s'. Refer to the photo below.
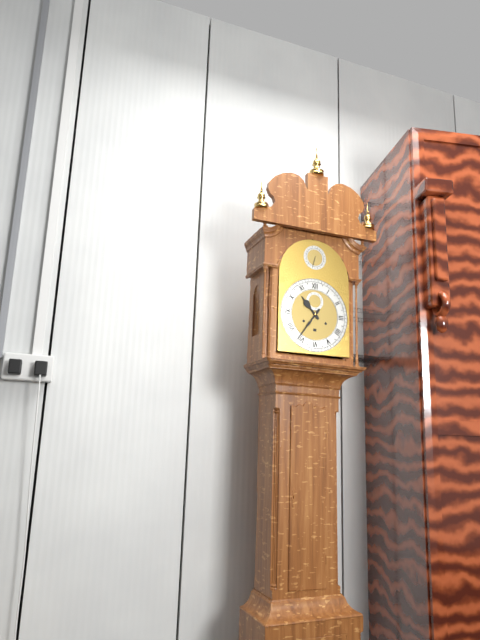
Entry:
10 h 36 min
